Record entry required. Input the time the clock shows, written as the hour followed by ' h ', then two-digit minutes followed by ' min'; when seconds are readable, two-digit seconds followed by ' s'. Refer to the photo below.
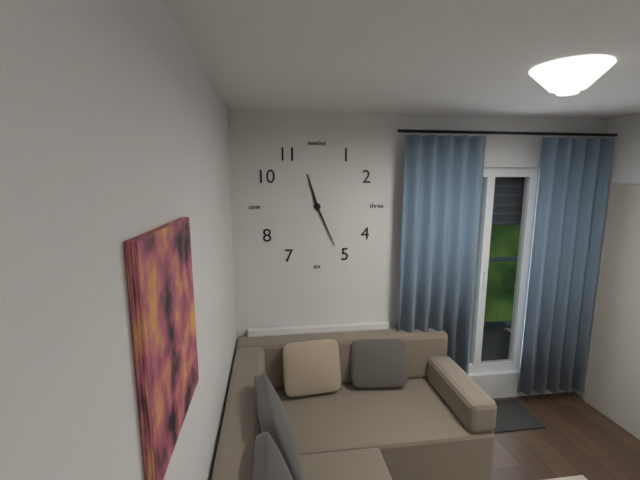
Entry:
11 h 26 min
